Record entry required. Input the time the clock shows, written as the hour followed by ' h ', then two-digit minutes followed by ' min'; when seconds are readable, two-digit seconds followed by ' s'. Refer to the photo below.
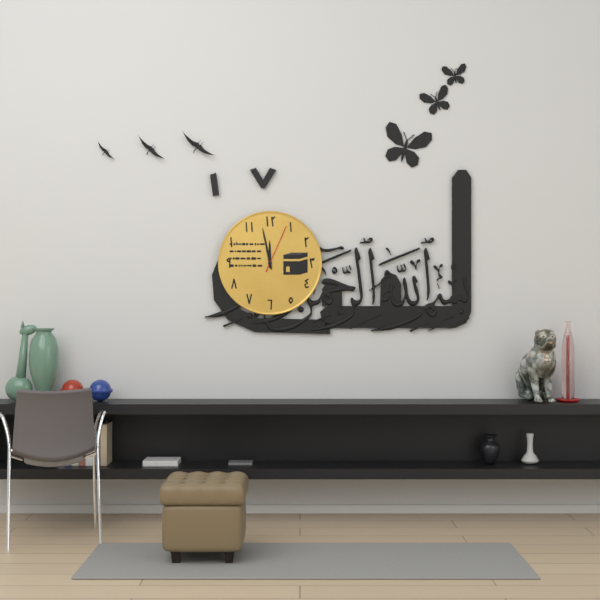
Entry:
11 h 58 min 04 s
